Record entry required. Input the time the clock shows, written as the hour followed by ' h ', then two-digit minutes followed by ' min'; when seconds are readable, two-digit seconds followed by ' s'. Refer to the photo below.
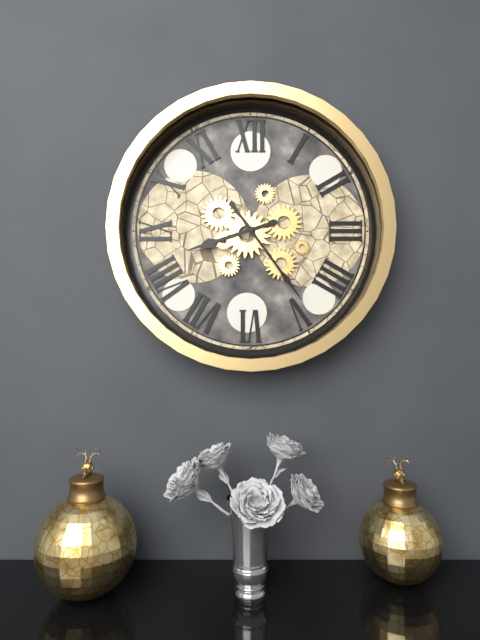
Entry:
8 h 24 min
